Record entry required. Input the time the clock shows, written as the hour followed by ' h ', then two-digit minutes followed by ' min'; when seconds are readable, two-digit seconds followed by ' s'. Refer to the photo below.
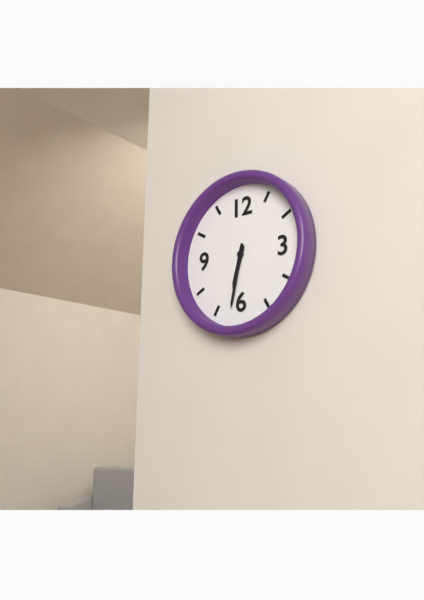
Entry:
6 h 32 min
